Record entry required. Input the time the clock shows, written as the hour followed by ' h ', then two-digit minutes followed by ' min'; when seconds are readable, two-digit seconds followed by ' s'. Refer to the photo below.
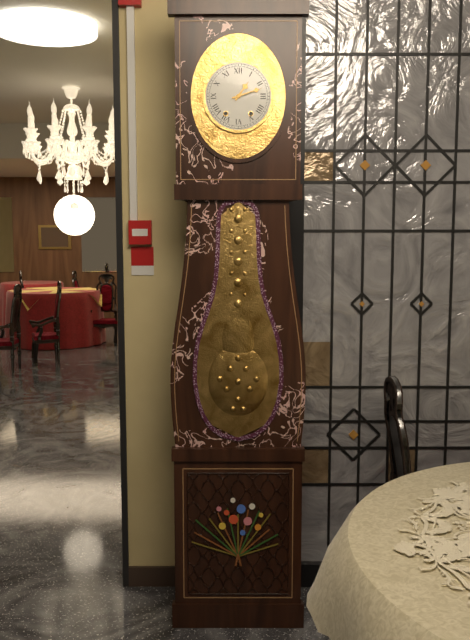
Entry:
1 h 12 min
